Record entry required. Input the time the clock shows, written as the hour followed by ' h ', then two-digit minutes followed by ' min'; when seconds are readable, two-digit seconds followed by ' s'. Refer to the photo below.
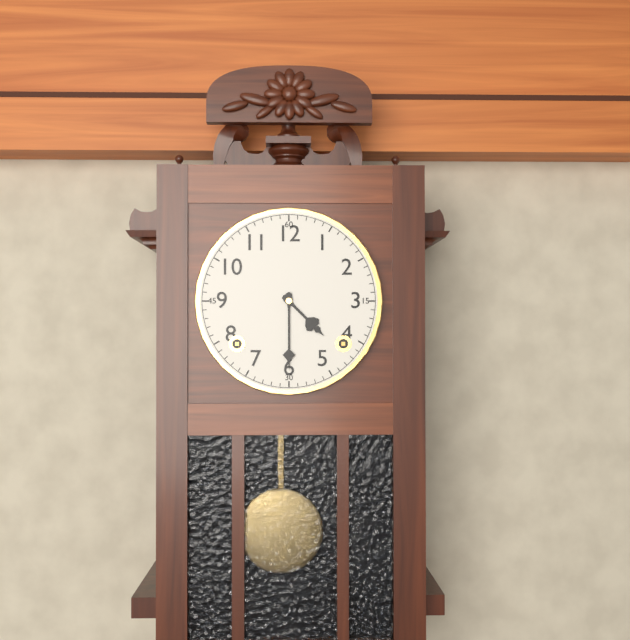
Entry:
4 h 30 min
